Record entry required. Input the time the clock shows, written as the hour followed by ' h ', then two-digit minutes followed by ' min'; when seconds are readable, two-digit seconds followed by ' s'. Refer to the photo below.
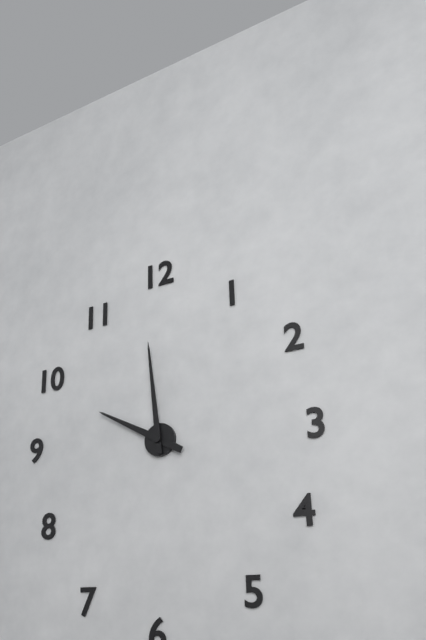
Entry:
9 h 59 min
